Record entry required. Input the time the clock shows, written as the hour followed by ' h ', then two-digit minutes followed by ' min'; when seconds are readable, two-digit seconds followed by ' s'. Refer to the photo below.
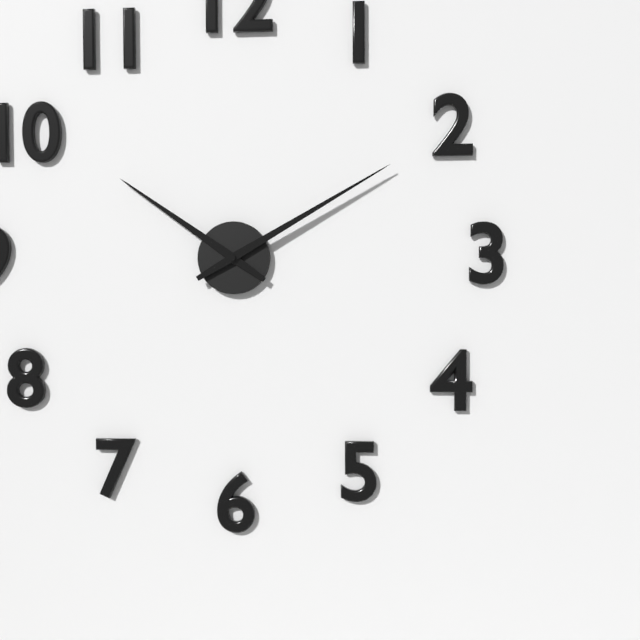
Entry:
10 h 10 min
